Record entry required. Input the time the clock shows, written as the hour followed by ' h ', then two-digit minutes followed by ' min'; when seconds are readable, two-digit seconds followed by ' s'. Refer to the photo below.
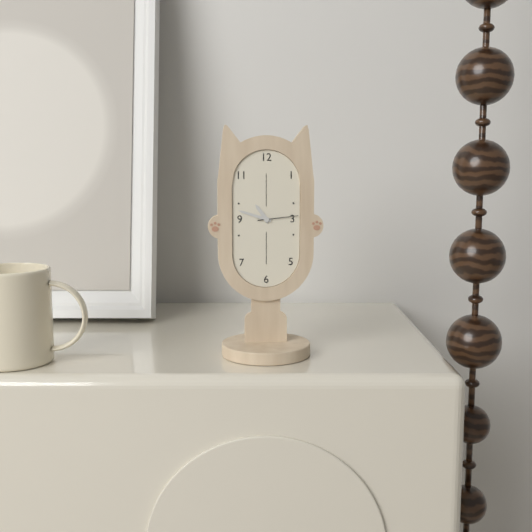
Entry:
10 h 48 min
